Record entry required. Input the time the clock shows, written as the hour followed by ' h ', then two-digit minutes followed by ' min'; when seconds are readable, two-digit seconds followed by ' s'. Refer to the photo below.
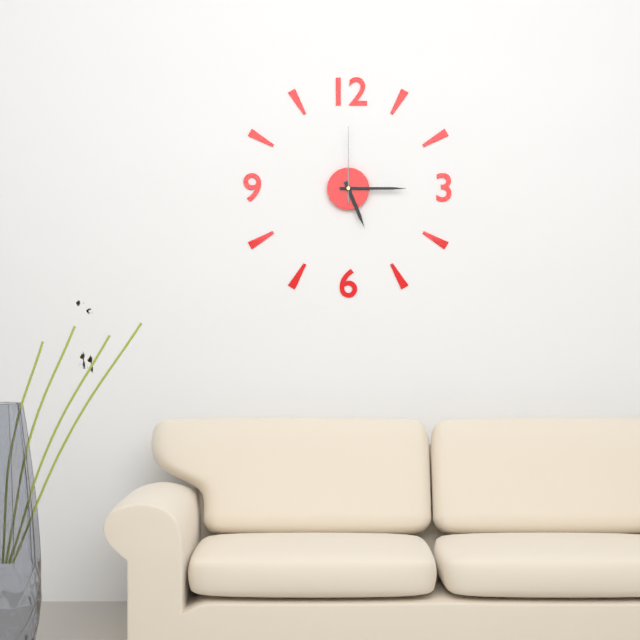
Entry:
5 h 15 min 00 s
